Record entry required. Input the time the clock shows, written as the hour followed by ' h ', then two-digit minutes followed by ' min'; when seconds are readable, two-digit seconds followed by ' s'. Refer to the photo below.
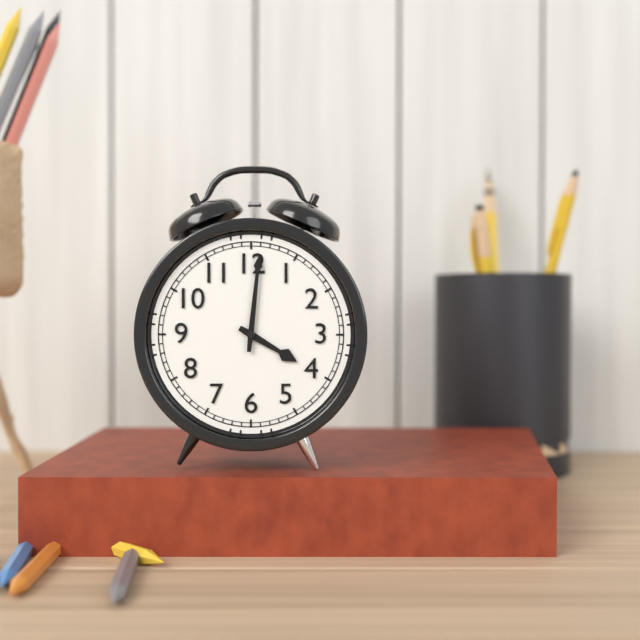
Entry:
4 h 01 min
